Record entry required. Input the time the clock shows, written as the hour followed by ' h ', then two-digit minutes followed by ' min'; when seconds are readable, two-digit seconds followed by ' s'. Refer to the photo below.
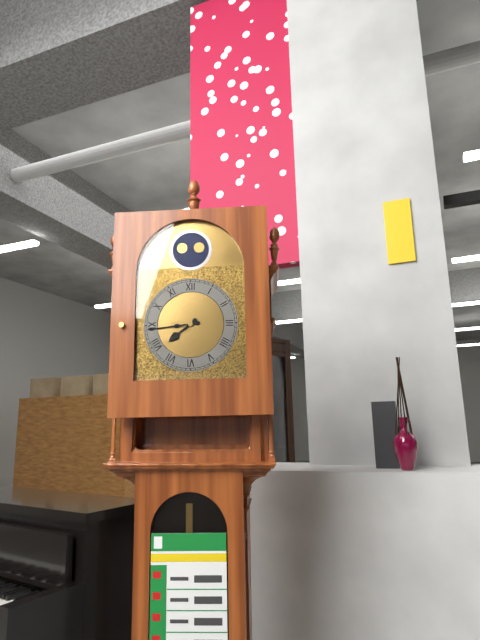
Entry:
7 h 44 min
